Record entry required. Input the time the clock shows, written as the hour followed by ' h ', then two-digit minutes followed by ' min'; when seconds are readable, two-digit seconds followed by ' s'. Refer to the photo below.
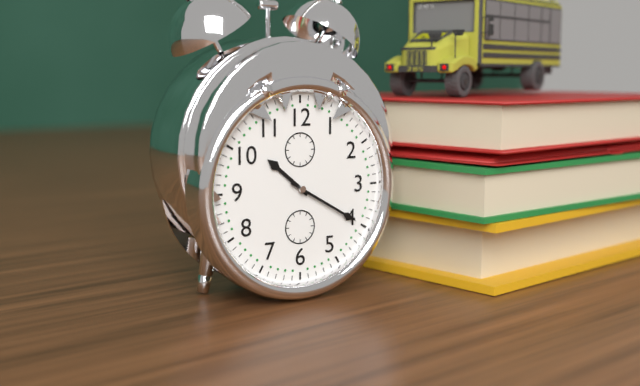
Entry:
10 h 20 min
